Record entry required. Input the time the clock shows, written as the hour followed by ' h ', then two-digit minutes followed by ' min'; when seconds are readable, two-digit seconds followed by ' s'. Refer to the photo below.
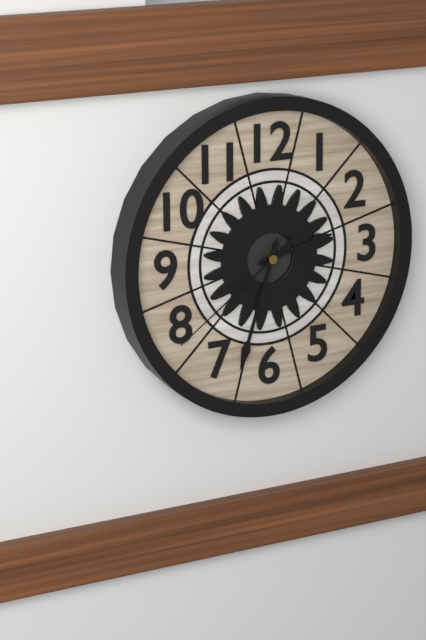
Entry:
2 h 33 min 39 s
